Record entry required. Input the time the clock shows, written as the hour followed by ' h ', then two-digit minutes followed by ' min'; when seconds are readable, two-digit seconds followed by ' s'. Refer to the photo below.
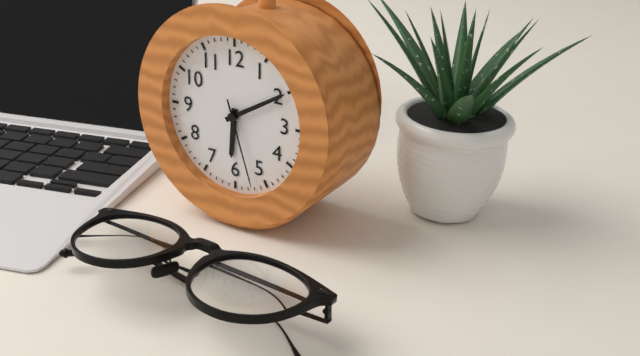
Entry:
6 h 10 min 27 s
